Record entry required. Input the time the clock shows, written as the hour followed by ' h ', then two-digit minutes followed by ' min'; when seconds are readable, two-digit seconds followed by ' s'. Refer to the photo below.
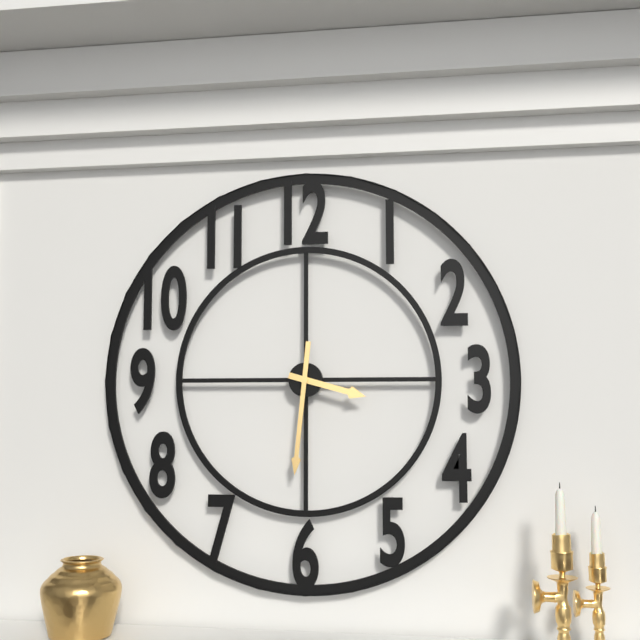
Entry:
3 h 31 min
